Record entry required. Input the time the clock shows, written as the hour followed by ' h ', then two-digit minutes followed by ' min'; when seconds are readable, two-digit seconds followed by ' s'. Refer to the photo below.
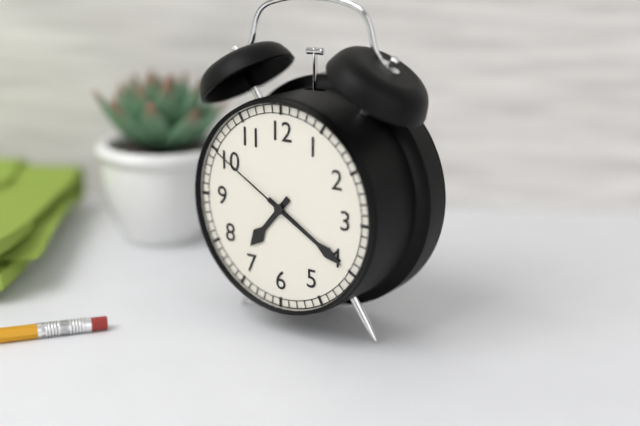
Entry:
7 h 20 min 50 s
